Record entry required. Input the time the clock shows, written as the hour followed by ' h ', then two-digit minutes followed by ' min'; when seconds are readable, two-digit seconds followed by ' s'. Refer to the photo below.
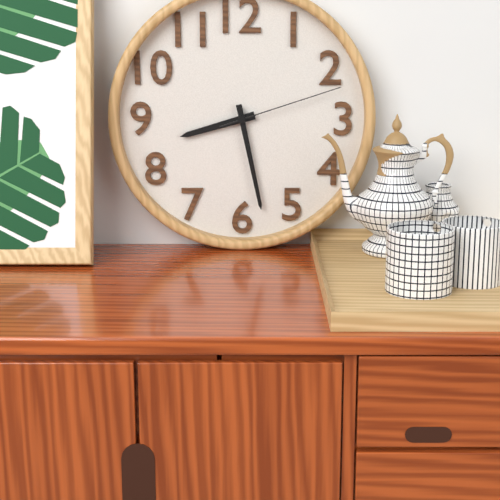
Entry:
8 h 28 min 12 s
